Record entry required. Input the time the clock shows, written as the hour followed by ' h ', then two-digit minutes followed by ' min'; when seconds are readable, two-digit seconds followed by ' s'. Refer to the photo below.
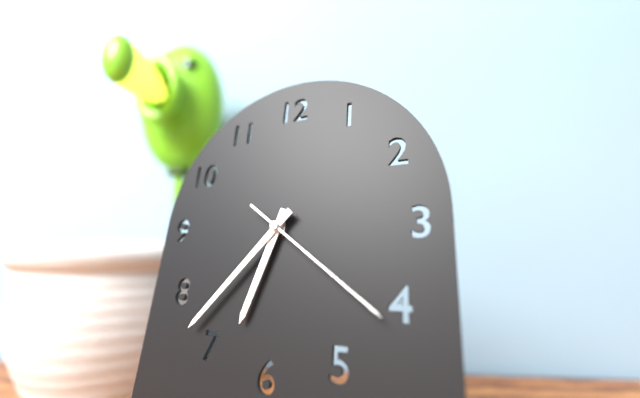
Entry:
6 h 37 min 21 s
